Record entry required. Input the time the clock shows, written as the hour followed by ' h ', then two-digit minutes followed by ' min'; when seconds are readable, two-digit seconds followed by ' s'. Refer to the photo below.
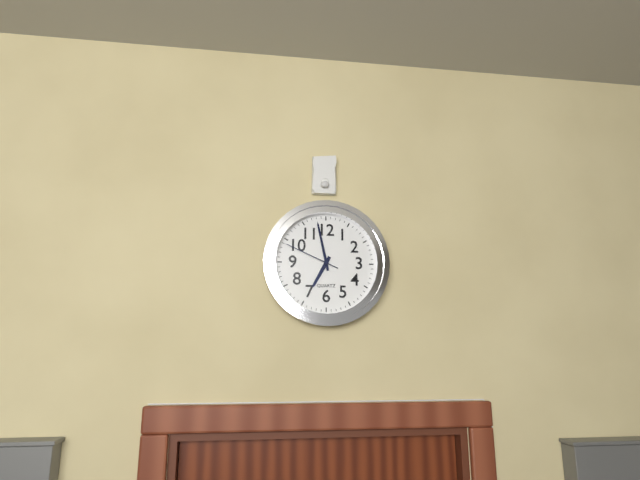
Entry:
6 h 58 min 49 s
